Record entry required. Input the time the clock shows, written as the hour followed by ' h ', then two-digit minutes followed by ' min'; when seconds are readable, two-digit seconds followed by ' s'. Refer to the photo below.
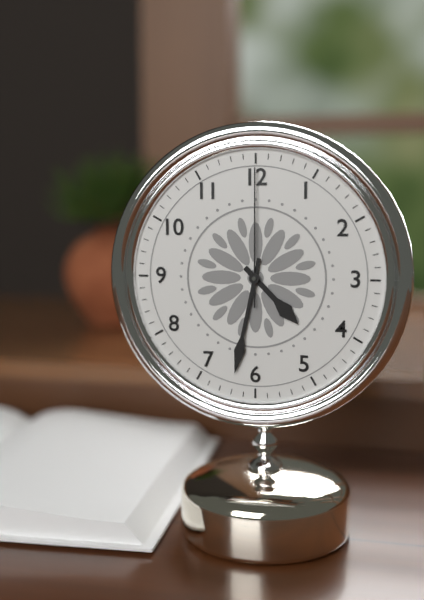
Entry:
4 h 32 min 00 s
